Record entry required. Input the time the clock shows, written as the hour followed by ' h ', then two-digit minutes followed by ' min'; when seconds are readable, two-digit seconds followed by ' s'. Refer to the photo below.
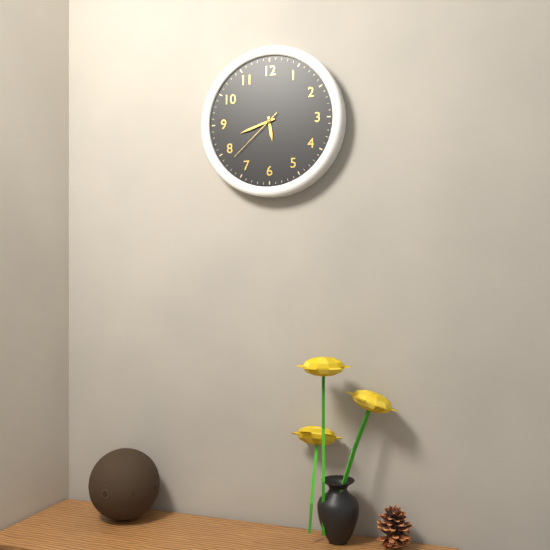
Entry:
5 h 42 min 38 s
